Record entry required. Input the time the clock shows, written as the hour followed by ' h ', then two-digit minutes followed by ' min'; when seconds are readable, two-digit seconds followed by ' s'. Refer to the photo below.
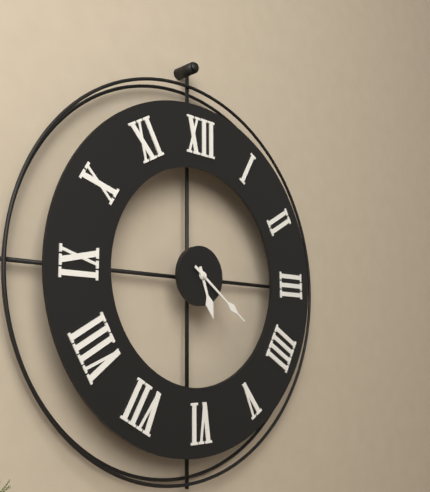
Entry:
5 h 21 min
